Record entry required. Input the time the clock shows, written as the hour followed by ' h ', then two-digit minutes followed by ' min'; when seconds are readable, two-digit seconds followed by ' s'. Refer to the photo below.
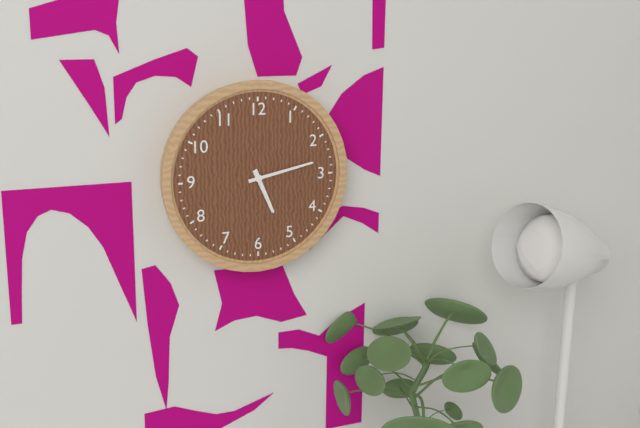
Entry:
5 h 13 min
